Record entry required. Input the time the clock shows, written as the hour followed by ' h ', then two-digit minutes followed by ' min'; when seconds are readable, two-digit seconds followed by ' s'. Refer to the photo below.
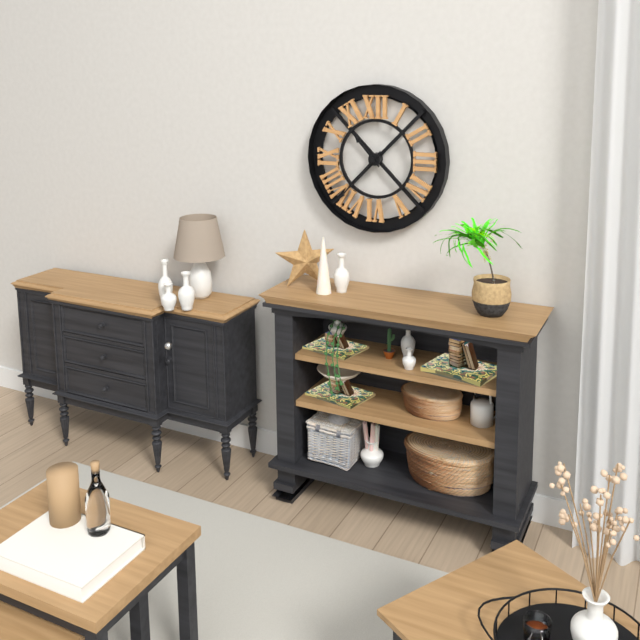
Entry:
10 h 37 min
